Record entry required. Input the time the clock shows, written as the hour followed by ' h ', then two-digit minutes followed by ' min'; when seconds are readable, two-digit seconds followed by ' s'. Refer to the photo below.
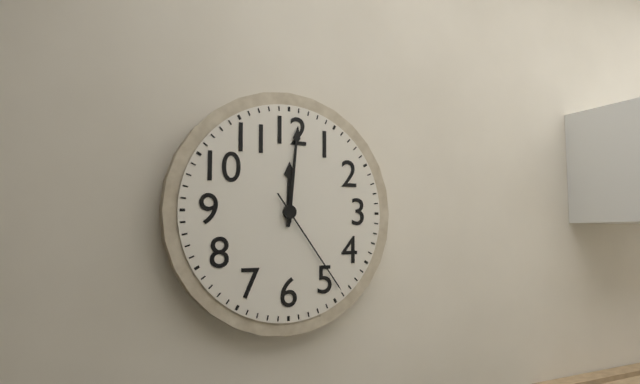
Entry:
12 h 01 min 24 s
